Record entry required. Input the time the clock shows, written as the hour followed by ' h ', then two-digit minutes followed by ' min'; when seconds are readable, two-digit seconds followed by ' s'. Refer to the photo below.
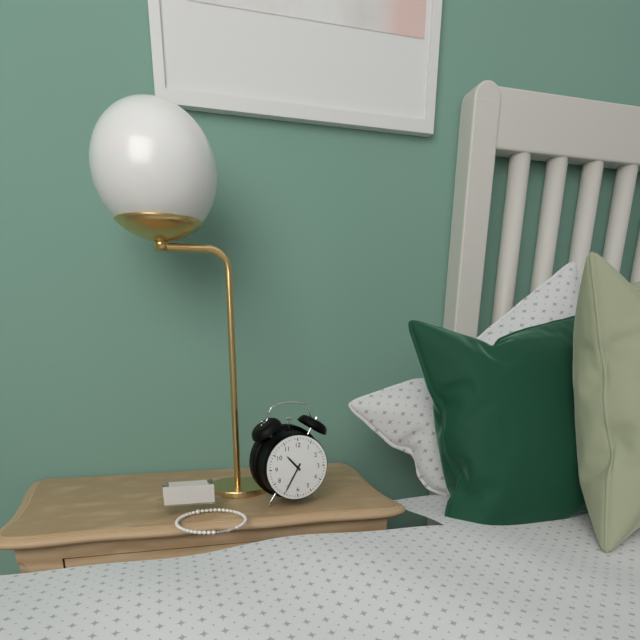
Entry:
10 h 35 min
